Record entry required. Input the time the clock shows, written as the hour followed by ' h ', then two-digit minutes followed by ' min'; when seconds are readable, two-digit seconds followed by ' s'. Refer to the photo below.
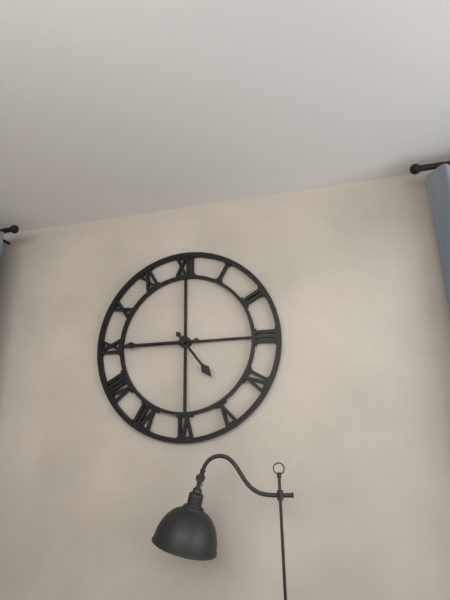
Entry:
4 h 45 min
